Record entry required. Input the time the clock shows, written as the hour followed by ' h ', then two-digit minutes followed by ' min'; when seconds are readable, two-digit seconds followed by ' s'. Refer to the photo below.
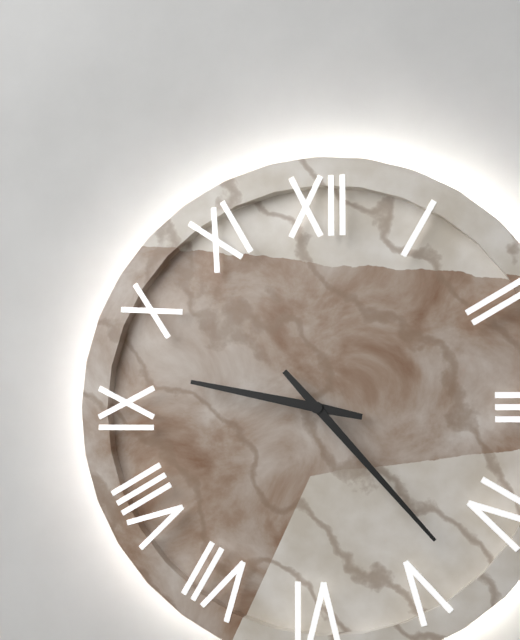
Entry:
9 h 23 min
